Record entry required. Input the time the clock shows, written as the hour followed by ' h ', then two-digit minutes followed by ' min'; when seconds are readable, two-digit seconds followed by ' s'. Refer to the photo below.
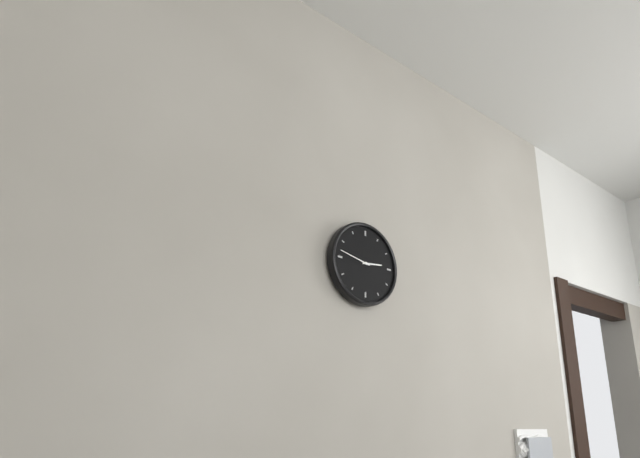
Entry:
2 h 47 min
